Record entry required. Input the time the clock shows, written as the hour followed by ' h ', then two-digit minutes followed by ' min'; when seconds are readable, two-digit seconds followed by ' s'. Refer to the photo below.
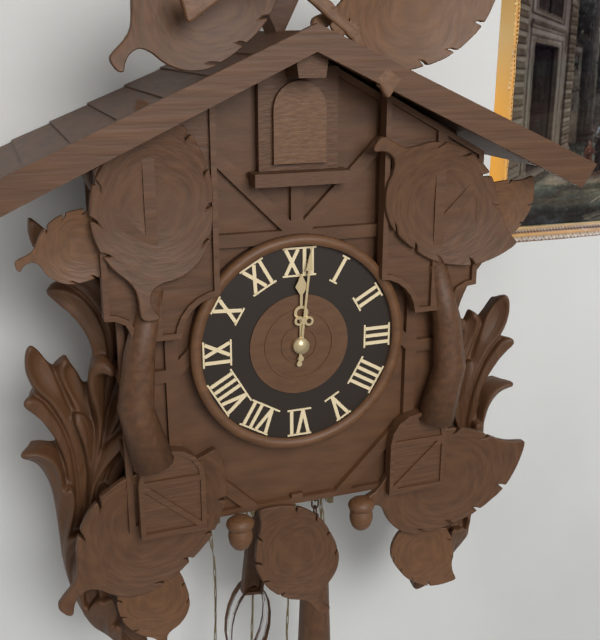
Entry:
12 h 01 min
